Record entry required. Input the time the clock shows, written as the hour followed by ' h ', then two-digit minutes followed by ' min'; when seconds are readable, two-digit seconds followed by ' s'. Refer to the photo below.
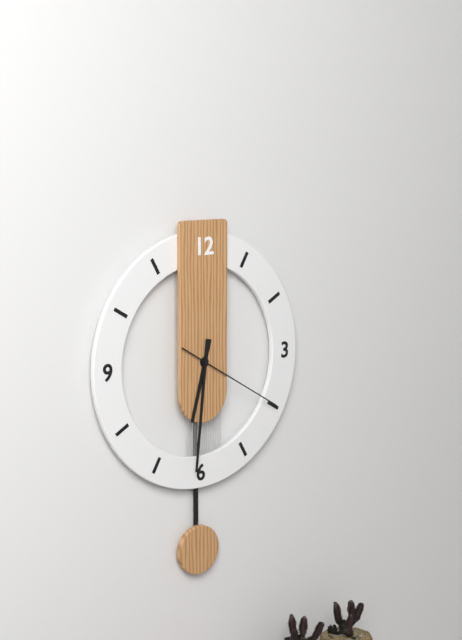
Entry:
6 h 31 min 20 s
